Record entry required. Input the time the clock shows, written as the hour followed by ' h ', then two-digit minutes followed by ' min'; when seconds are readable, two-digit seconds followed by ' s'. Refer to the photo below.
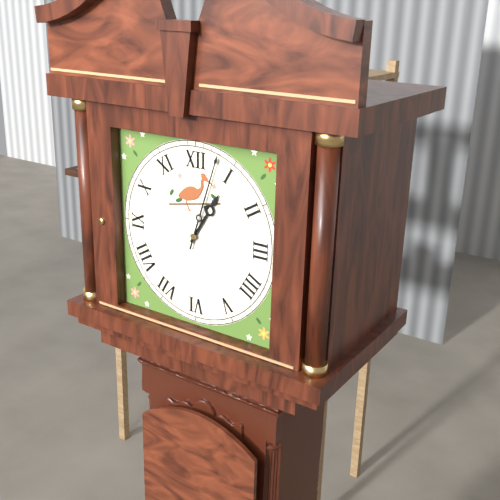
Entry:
1 h 03 min
